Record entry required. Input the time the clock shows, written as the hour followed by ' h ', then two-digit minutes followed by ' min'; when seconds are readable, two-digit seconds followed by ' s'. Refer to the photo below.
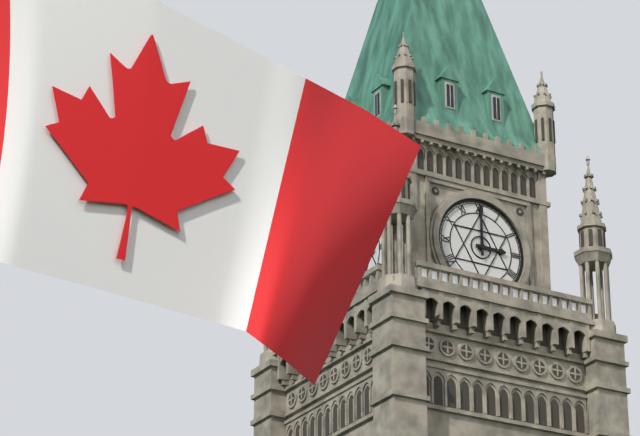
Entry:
3 h 00 min
